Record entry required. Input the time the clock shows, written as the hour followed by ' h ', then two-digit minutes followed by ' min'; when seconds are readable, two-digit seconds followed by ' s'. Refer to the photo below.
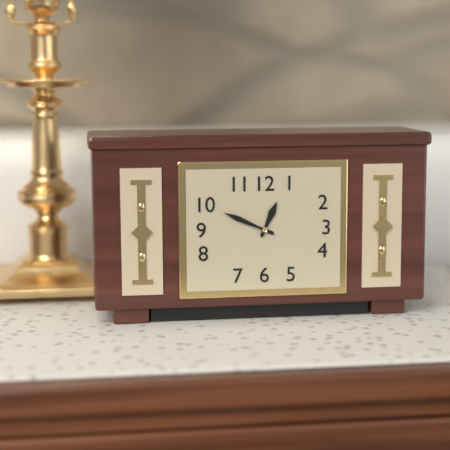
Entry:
12 h 49 min
